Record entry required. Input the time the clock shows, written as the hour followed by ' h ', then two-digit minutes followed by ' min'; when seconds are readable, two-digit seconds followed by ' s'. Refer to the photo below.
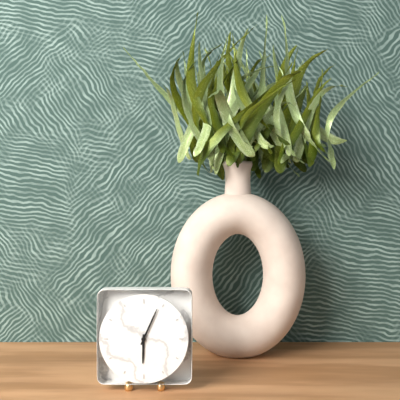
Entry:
6 h 04 min
